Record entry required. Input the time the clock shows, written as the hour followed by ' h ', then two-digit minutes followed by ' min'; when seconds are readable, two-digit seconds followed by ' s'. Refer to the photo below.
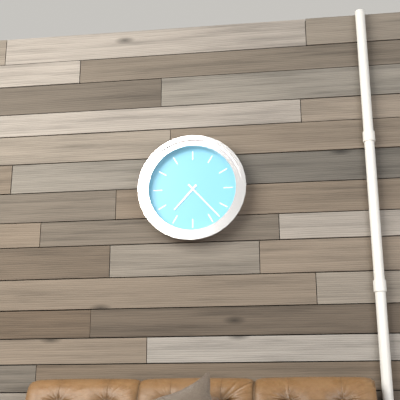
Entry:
7 h 23 min
